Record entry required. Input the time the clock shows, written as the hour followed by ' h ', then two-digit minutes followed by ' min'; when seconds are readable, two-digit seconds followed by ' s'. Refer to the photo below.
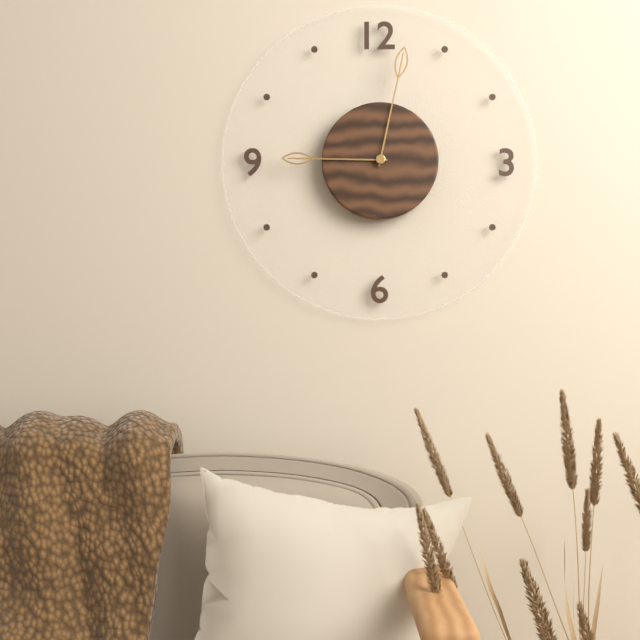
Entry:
9 h 02 min
